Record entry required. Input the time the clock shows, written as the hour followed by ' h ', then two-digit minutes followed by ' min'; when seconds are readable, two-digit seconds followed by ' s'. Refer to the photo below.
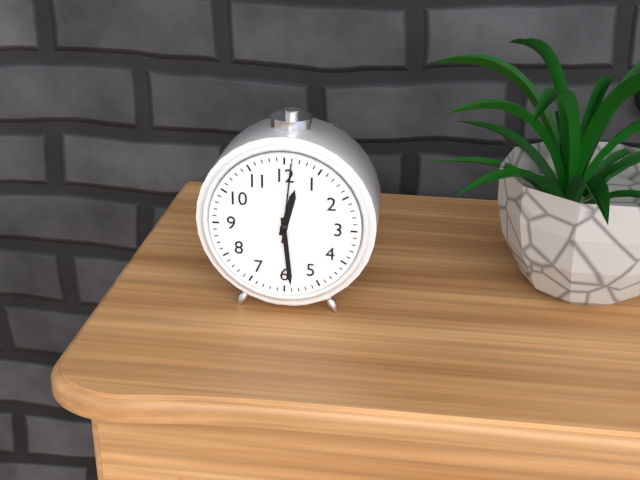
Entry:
12 h 29 min 01 s
